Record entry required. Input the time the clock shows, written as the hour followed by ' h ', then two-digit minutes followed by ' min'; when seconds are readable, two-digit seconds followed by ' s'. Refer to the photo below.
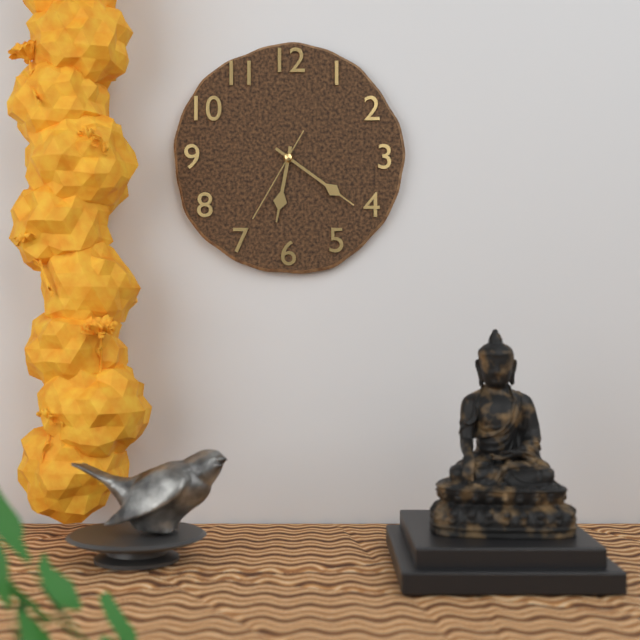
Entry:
6 h 21 min 35 s
